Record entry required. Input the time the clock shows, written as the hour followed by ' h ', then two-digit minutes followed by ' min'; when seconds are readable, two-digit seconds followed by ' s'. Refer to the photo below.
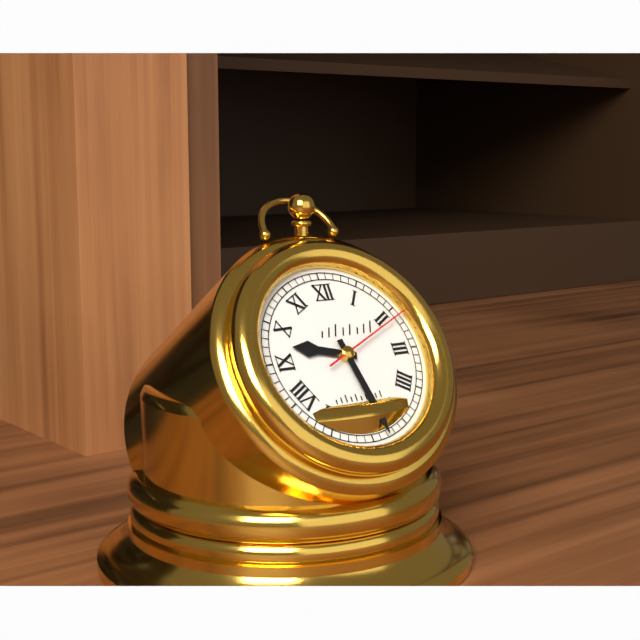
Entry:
9 h 28 min 11 s
